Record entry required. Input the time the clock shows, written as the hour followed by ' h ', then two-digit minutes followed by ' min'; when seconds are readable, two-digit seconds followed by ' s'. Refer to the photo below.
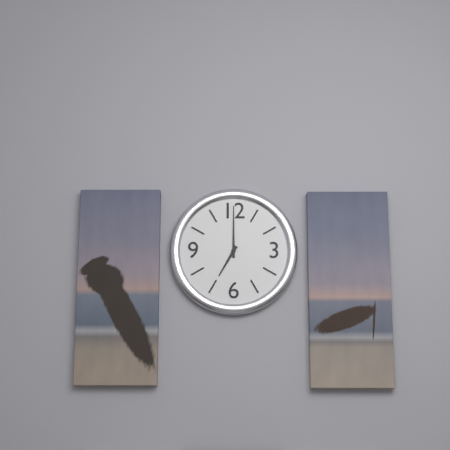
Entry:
7 h 00 min
